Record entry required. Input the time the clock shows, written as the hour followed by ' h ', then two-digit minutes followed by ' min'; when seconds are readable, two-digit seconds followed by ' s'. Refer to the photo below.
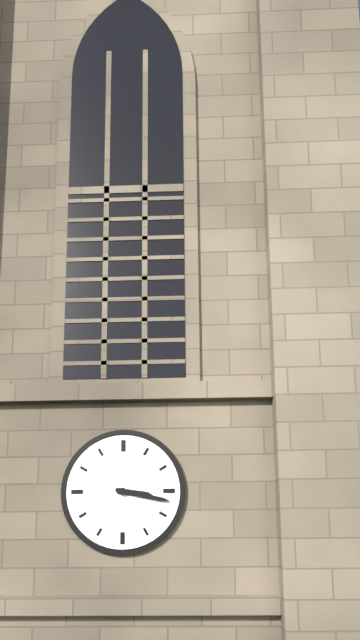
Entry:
3 h 17 min
